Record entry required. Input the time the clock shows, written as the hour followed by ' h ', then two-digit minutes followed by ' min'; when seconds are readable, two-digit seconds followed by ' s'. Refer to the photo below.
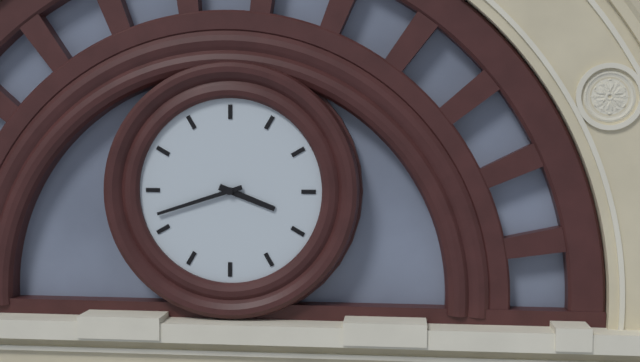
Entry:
3 h 42 min
